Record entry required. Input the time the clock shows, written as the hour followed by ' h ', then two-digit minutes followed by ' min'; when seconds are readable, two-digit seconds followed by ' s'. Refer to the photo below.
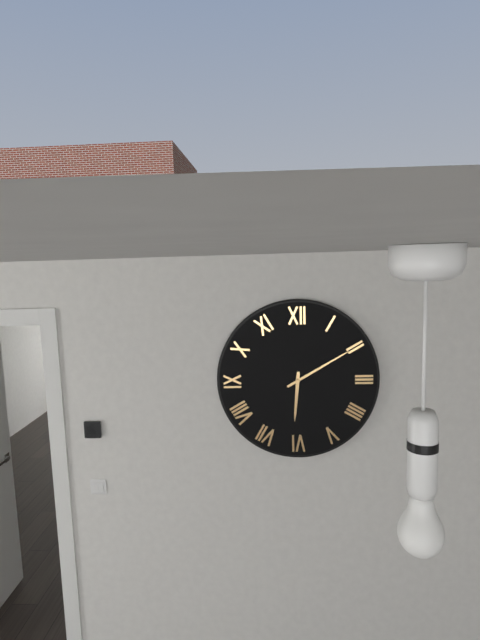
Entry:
6 h 10 min
